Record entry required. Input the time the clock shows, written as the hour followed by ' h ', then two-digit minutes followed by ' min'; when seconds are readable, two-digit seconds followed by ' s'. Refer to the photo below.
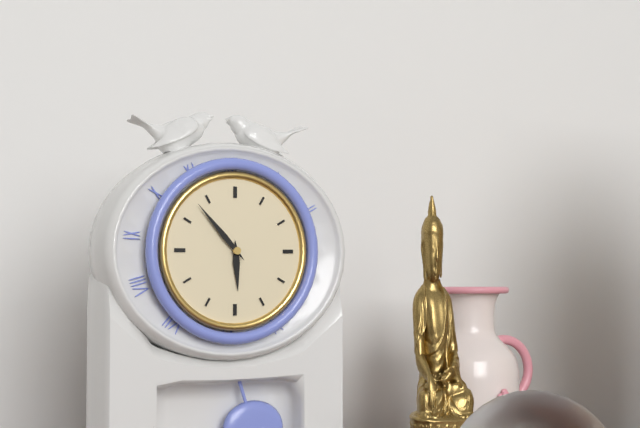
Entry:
5 h 53 min
